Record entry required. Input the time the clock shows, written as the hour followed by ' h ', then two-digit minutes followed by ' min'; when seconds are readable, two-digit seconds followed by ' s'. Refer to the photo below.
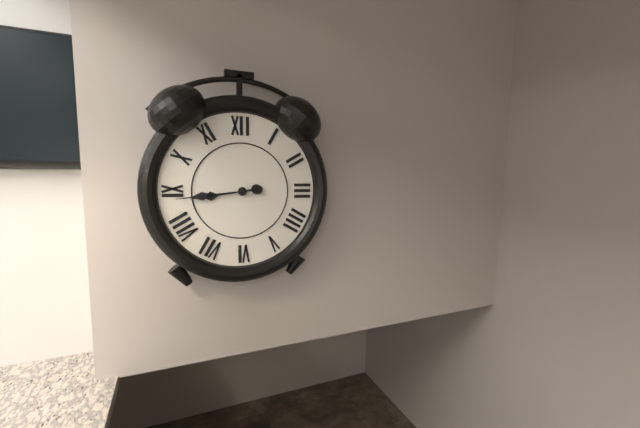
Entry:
8 h 44 min
